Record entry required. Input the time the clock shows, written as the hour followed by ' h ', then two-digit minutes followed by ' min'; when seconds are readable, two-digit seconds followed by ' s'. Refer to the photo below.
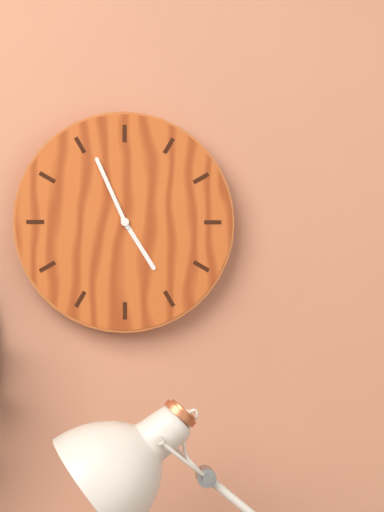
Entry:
4 h 56 min
